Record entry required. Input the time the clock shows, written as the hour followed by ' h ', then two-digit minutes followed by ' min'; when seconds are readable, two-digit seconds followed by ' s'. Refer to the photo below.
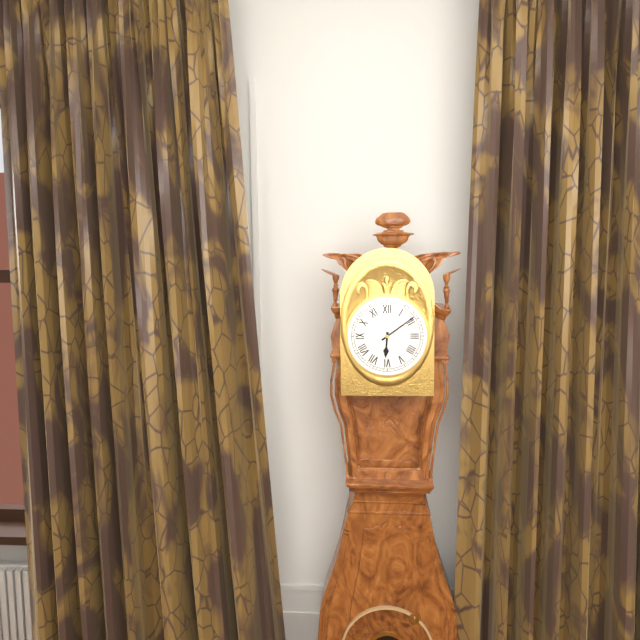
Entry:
6 h 09 min
